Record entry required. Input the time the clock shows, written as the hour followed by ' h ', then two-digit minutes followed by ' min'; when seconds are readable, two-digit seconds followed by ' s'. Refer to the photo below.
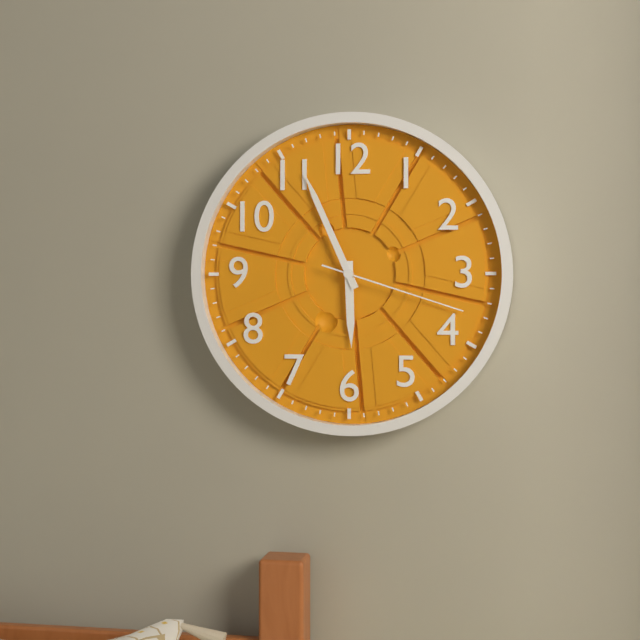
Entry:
5 h 56 min 18 s
